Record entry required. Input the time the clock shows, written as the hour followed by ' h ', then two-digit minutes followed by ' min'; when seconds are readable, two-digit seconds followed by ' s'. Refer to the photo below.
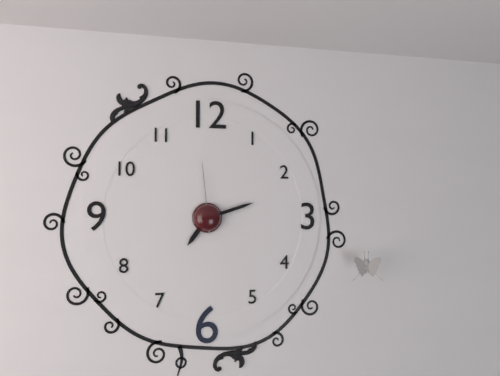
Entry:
7 h 12 min 59 s
